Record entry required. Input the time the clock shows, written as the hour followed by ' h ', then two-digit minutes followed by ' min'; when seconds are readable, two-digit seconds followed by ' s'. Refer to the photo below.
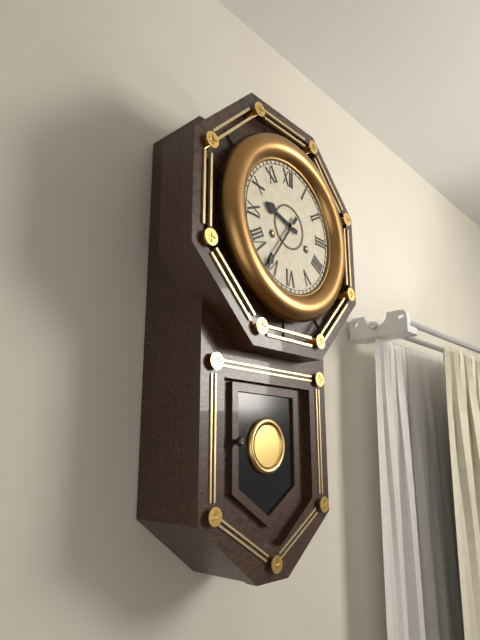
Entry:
9 h 36 min
